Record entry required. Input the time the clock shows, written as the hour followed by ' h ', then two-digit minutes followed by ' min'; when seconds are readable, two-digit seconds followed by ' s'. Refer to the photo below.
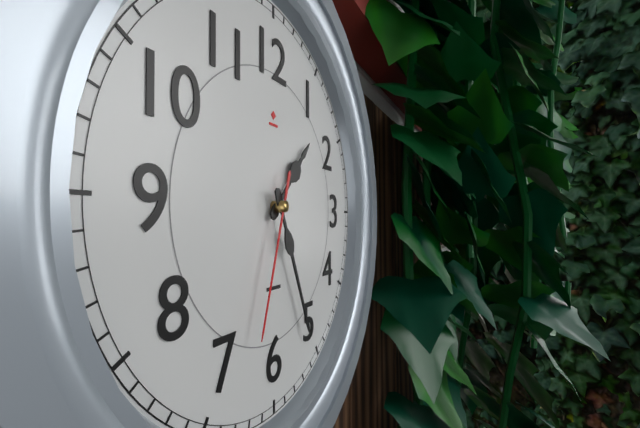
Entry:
1 h 26 min 33 s
